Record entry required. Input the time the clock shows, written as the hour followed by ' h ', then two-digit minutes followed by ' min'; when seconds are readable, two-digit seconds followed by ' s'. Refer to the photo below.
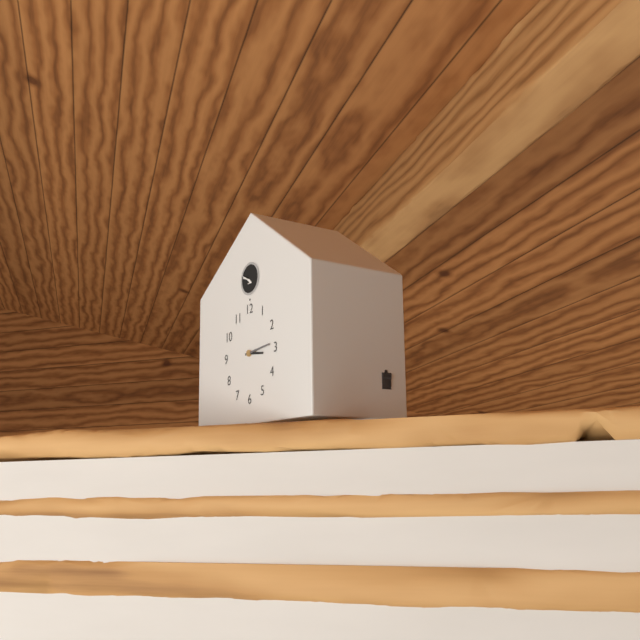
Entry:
3 h 14 min
